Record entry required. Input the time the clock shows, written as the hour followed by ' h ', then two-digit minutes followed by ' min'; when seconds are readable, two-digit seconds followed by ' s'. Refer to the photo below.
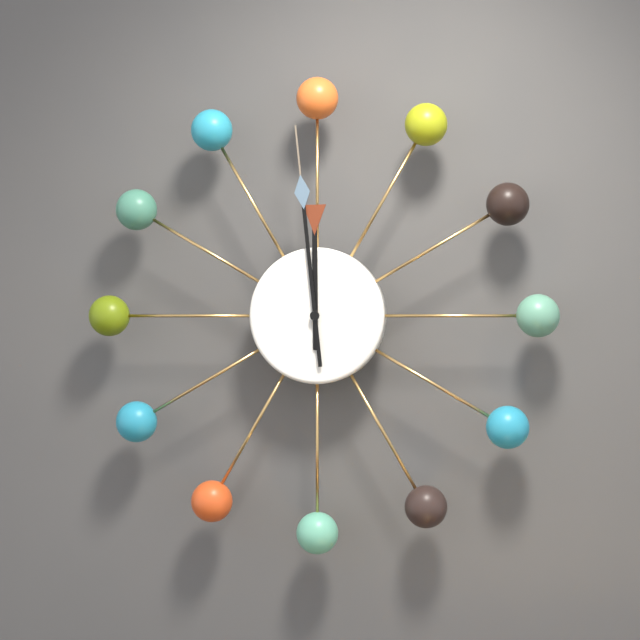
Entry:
11 h 59 min
